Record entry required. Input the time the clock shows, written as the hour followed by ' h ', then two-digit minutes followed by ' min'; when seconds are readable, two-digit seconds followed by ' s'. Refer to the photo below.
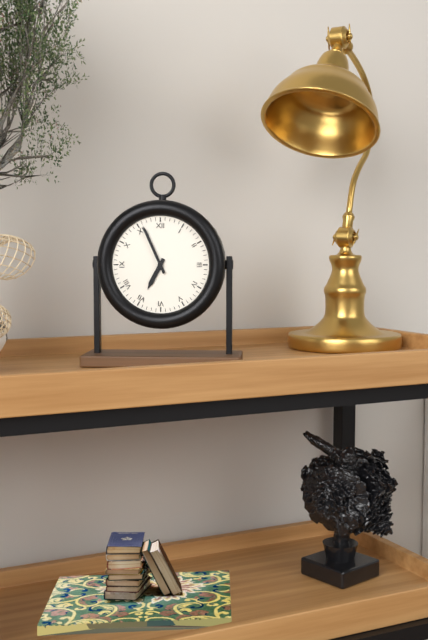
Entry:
6 h 56 min
